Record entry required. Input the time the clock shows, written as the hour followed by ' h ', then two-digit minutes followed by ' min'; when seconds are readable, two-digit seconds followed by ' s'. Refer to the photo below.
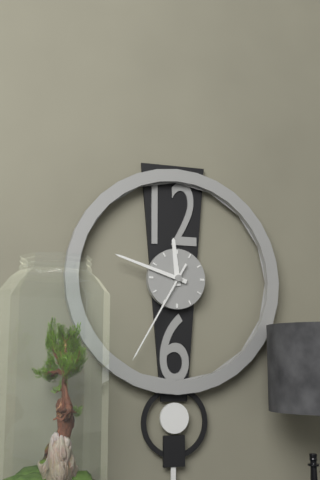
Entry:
11 h 48 min 35 s
